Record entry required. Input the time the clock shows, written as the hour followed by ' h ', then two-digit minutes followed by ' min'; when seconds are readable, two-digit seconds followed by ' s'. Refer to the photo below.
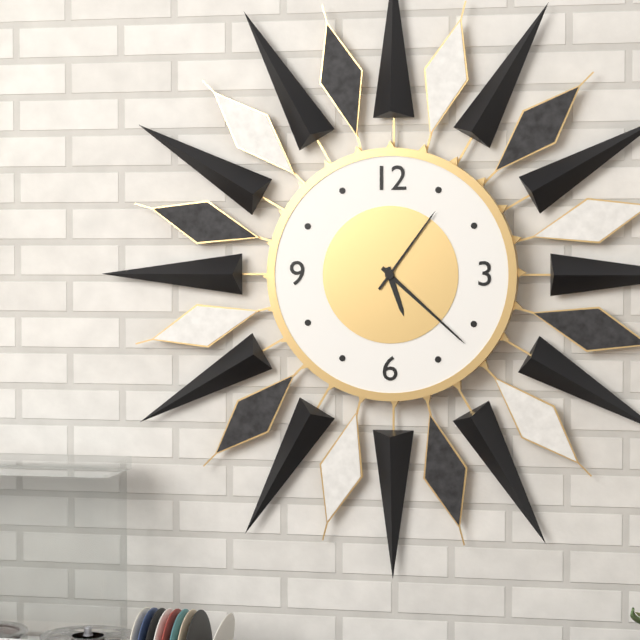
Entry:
5 h 22 min 06 s
